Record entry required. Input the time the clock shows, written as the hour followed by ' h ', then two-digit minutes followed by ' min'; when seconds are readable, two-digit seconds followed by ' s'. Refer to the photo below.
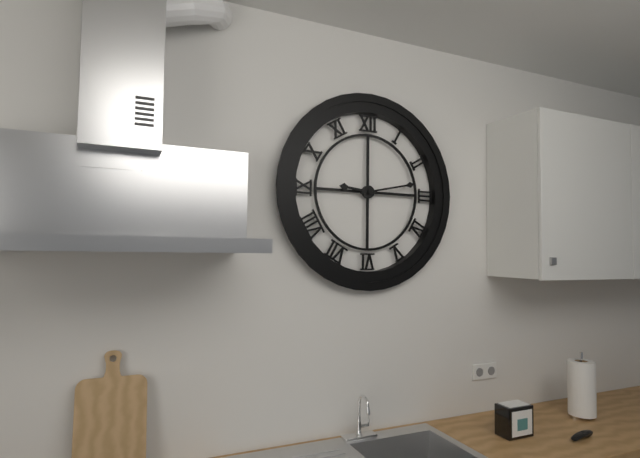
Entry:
9 h 13 min
